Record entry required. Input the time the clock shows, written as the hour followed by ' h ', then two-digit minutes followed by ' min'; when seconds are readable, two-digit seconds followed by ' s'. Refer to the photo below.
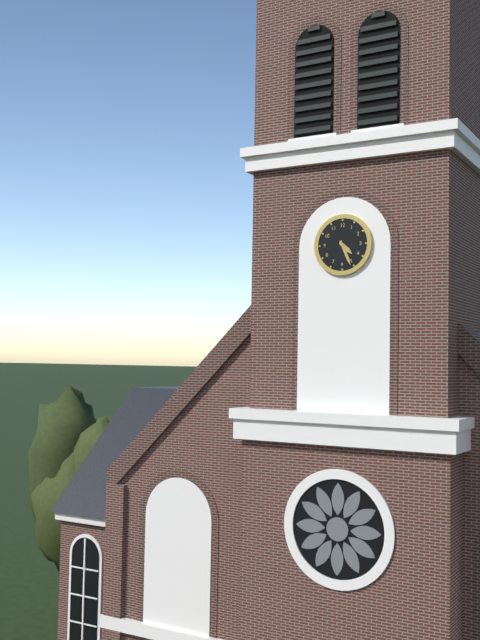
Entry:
4 h 26 min
